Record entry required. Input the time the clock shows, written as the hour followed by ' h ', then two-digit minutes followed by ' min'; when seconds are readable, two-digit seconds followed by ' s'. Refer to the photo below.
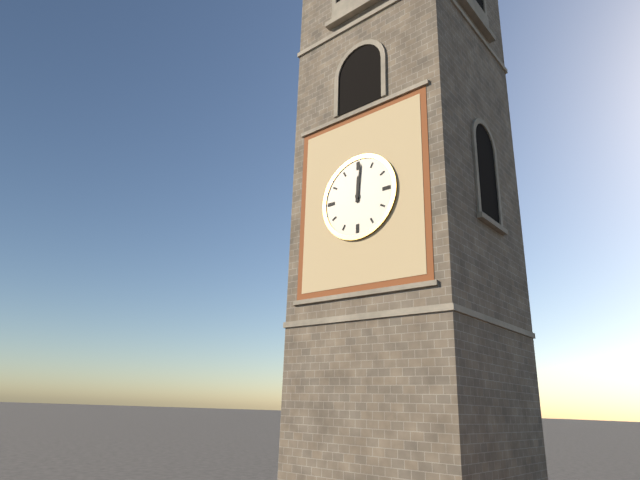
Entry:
12 h 01 min
